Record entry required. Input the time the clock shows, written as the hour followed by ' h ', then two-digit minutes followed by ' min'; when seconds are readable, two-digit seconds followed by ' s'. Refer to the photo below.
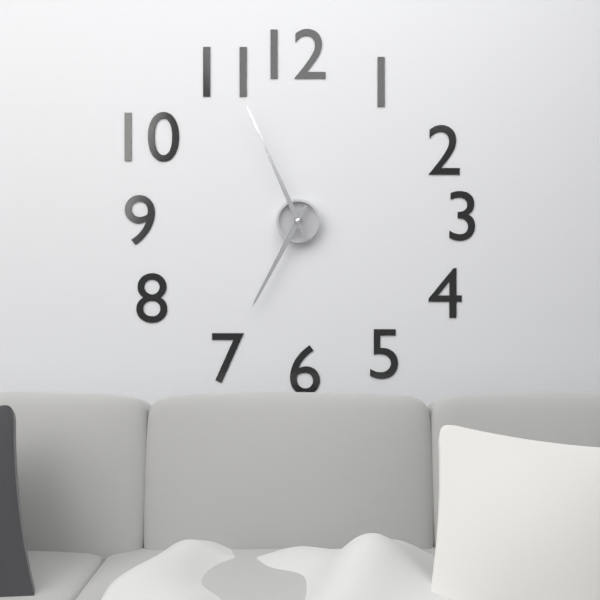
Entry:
6 h 56 min
